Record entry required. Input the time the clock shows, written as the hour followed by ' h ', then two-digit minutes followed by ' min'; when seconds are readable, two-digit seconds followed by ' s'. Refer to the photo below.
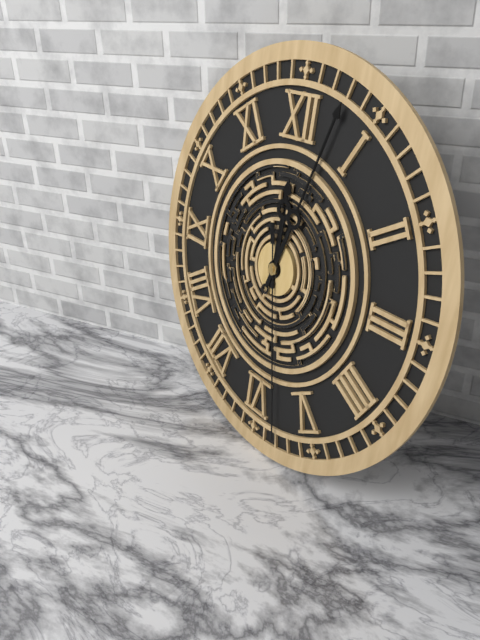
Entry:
12 h 03 min 28 s
